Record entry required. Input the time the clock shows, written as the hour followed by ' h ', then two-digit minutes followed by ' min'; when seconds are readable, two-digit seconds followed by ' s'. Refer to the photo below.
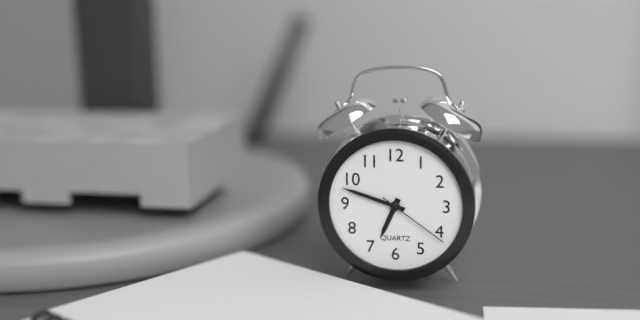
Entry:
6 h 48 min 21 s
